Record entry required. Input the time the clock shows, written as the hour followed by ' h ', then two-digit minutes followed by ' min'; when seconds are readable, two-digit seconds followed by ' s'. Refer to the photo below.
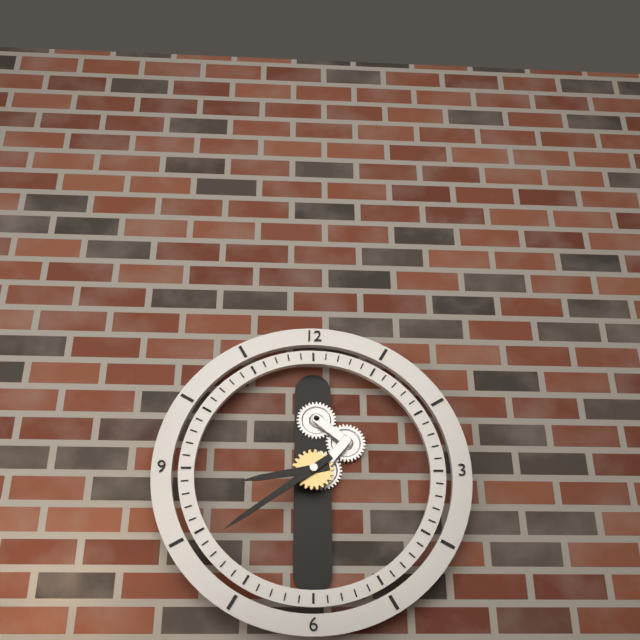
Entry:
8 h 39 min
